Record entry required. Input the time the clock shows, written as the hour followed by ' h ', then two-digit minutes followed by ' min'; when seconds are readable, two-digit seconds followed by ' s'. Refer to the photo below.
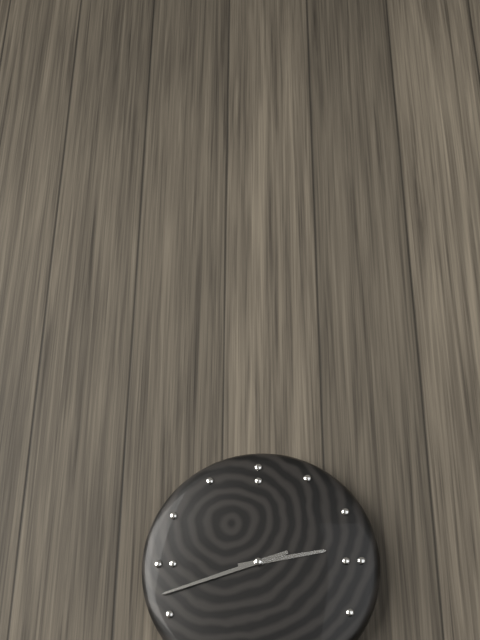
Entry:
2 h 42 min
